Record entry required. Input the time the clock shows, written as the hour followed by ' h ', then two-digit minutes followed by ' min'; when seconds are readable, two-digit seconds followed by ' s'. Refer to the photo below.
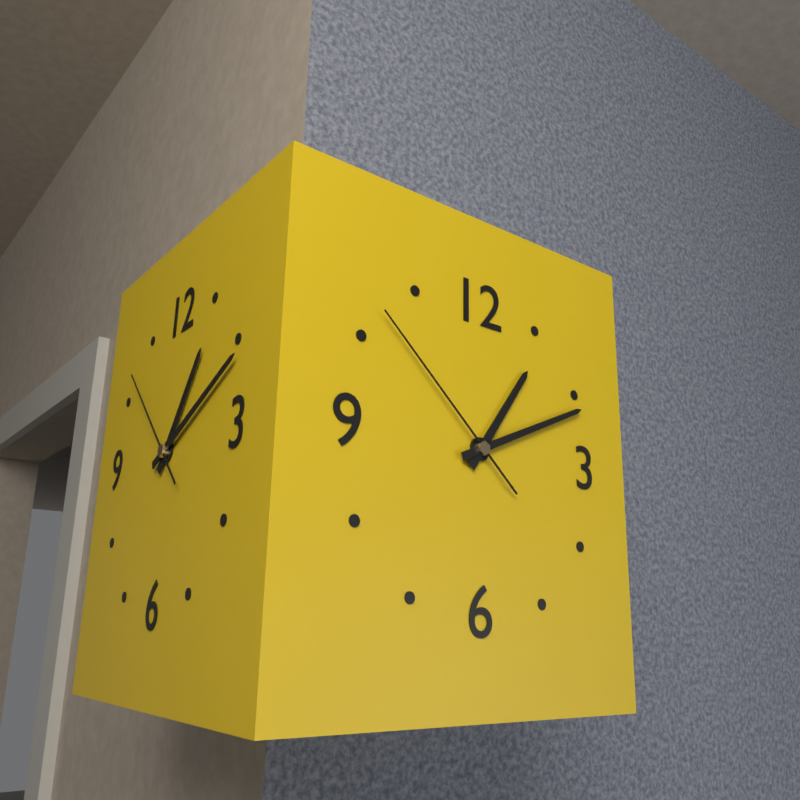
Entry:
1 h 11 min 52 s
